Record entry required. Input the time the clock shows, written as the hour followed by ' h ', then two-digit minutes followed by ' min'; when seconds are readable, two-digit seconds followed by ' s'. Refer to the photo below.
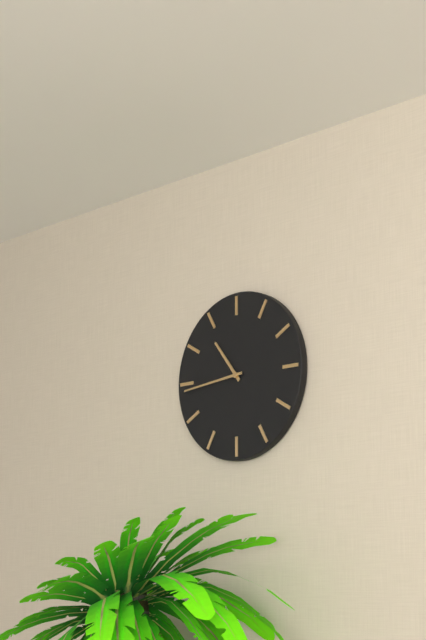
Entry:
10 h 44 min
